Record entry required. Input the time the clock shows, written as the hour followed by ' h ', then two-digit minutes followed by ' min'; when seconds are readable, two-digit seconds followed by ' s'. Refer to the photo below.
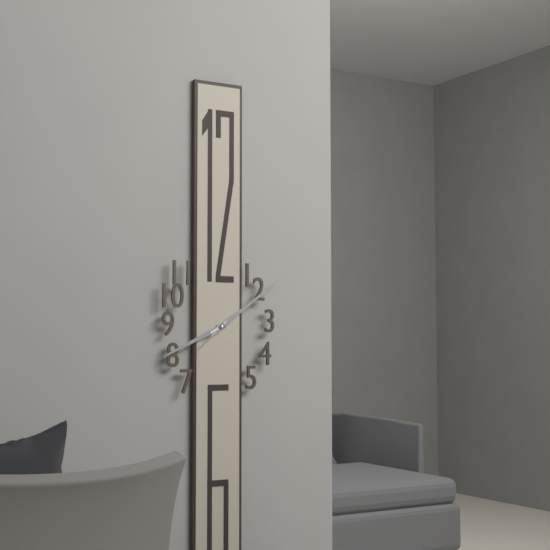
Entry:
8 h 09 min
